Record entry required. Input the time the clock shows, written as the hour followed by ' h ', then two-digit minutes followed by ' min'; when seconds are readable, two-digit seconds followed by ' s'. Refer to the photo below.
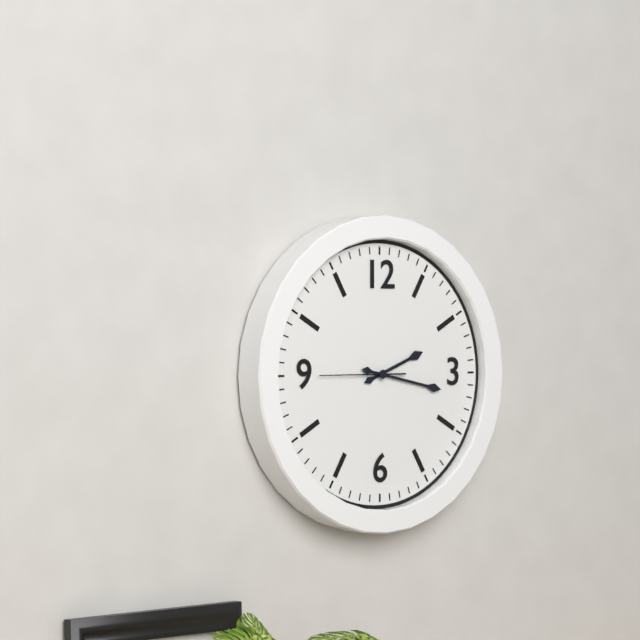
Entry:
2 h 17 min 45 s
